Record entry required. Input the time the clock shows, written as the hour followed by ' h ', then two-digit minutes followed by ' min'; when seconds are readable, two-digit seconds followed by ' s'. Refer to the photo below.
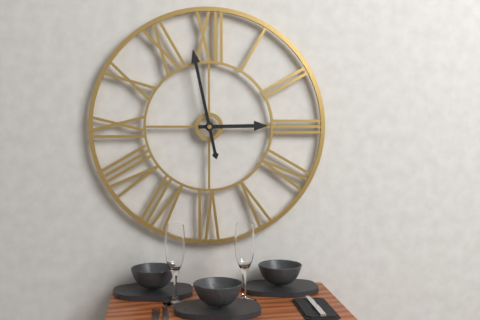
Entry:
2 h 58 min
